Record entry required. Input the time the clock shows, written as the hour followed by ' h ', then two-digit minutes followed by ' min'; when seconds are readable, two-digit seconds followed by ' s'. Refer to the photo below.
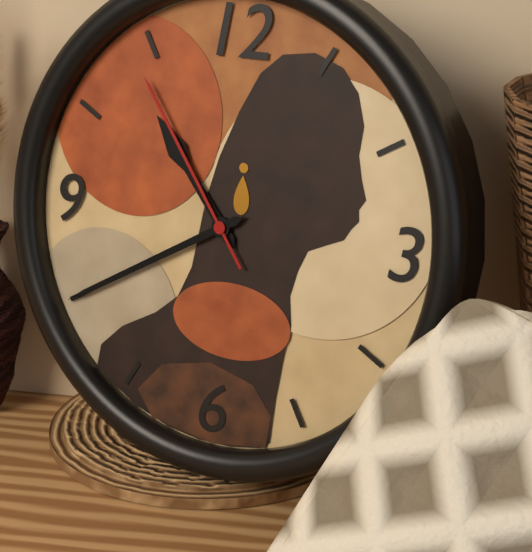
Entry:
10 h 40 min 54 s
